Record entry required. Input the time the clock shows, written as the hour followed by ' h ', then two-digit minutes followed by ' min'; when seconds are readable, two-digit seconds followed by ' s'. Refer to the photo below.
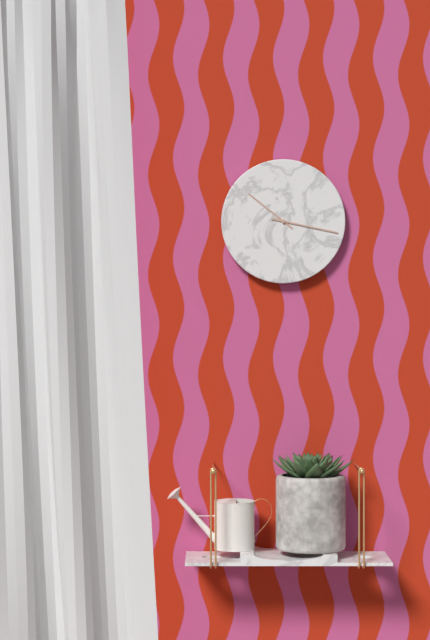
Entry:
10 h 17 min
